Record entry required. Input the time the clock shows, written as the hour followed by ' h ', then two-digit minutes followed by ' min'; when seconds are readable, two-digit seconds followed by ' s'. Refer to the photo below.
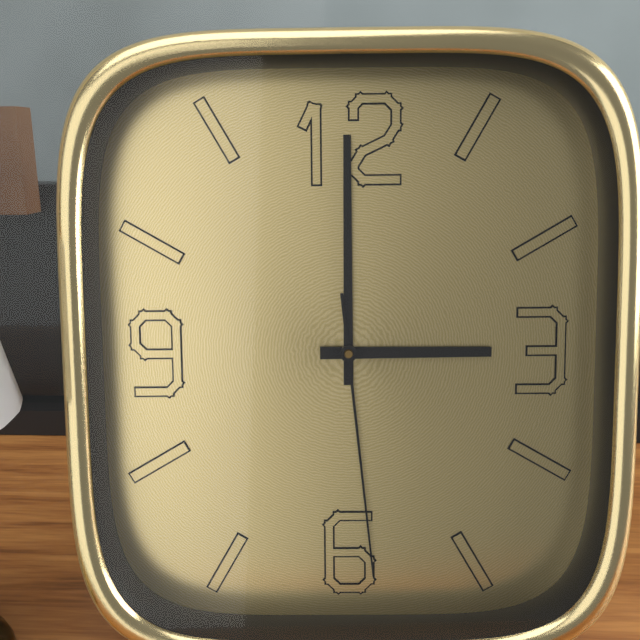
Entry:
3 h 00 min 29 s
